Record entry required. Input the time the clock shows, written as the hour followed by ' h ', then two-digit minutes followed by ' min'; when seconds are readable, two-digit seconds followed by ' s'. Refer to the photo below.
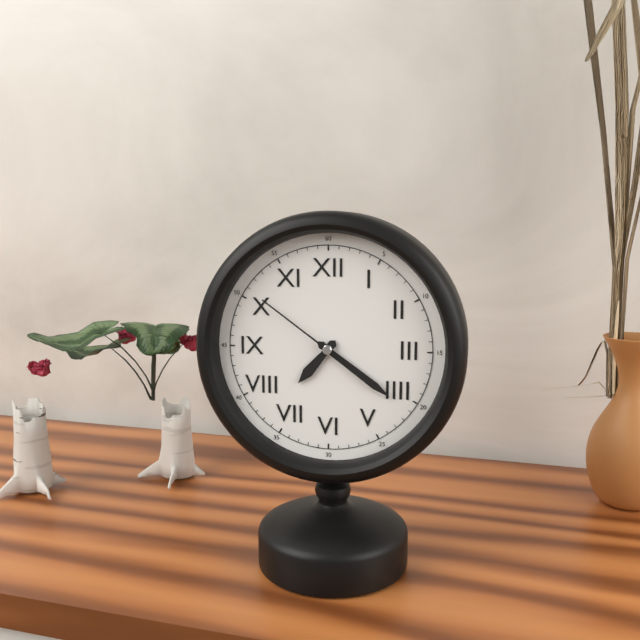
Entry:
7 h 21 min 51 s
